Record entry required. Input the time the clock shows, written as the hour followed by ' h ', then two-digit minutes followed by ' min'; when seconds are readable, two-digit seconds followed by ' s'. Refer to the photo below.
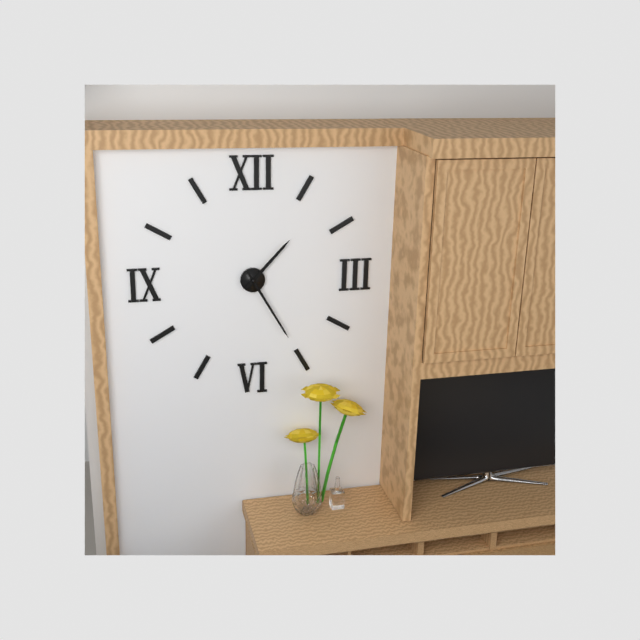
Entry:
1 h 25 min
